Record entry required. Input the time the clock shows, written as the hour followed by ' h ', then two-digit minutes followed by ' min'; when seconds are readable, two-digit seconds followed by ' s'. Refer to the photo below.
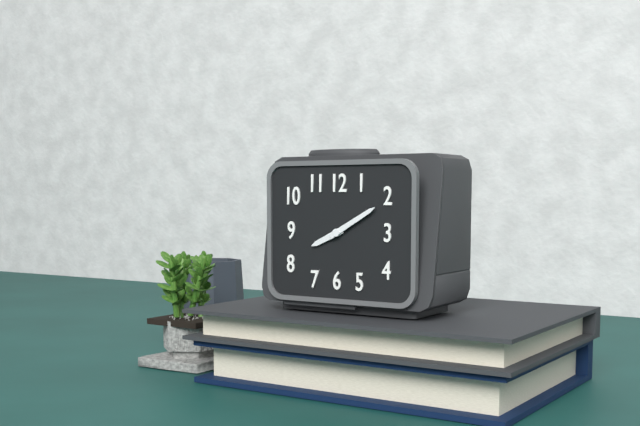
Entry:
8 h 10 min
